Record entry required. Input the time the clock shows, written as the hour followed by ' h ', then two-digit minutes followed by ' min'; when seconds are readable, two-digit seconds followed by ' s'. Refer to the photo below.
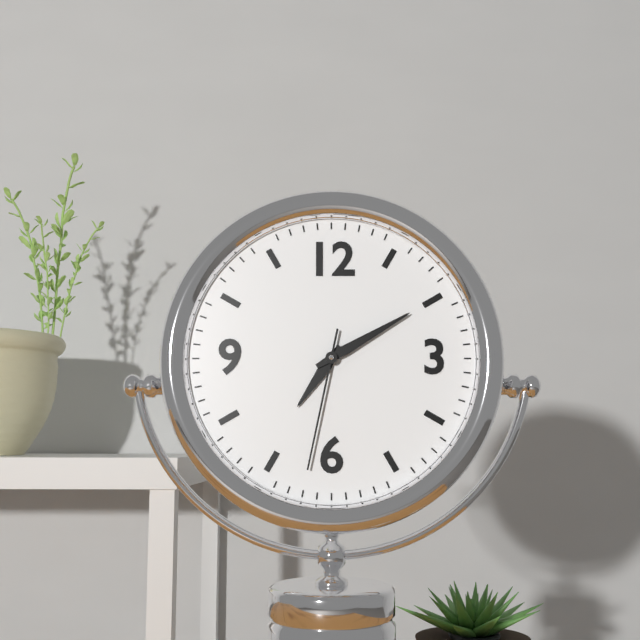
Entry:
7 h 10 min 32 s
